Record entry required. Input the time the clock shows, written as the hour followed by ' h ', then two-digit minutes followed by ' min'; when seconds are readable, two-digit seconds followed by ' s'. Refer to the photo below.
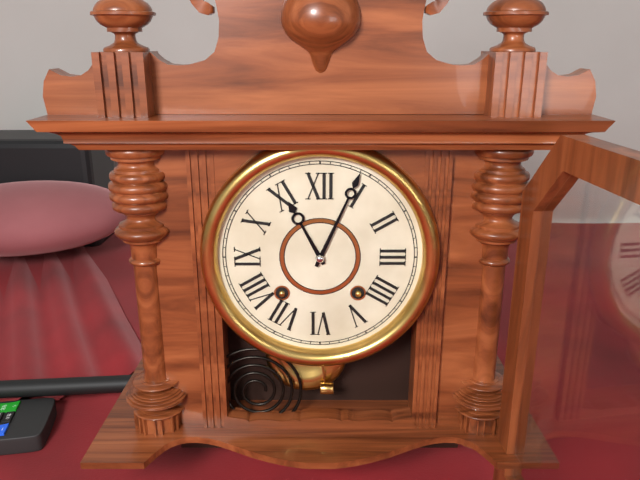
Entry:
11 h 04 min
